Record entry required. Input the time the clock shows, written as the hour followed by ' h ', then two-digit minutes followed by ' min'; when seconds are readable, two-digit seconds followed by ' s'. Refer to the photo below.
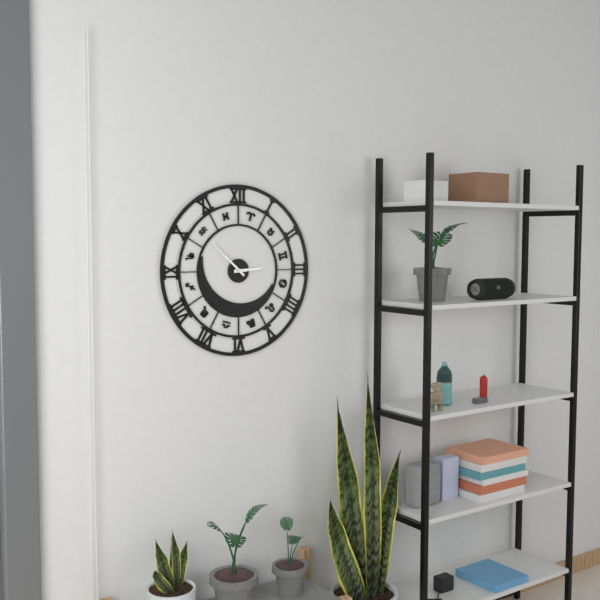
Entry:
2 h 52 min
